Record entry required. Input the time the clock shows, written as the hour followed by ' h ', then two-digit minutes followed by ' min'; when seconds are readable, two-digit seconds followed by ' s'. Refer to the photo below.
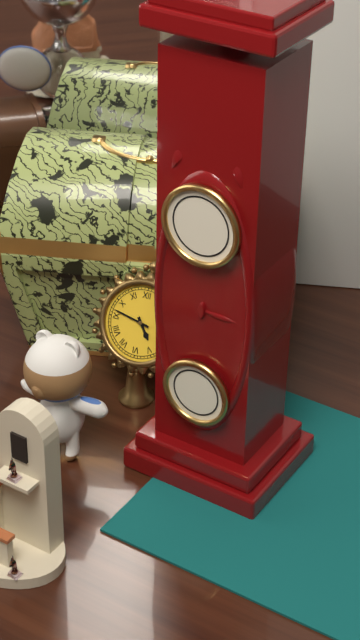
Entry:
4 h 47 min
